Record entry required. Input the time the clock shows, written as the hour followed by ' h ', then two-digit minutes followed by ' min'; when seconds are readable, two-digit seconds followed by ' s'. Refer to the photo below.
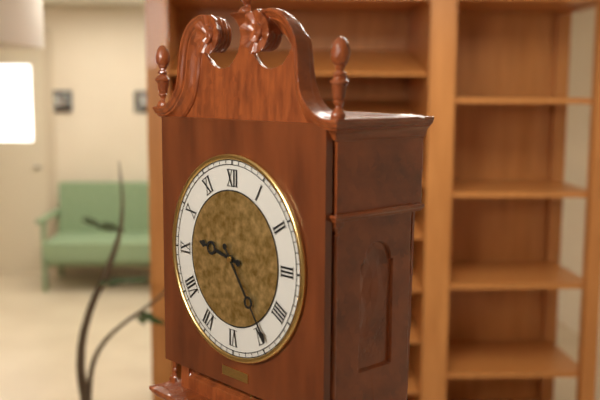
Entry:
9 h 24 min
